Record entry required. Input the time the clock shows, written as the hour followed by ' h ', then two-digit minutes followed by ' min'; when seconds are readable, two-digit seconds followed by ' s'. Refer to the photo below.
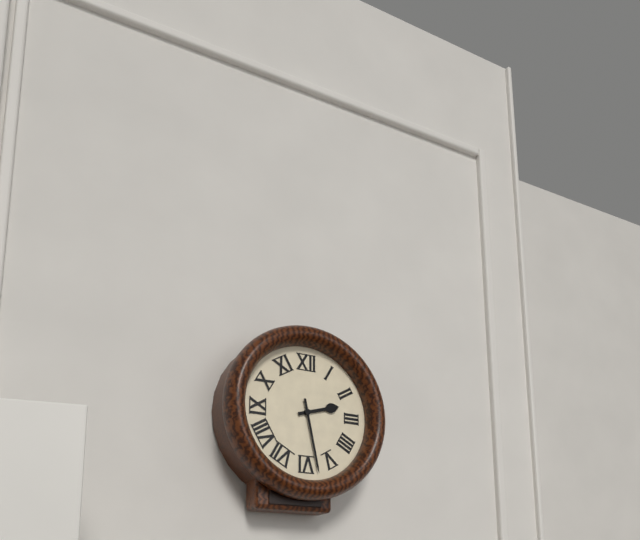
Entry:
2 h 28 min
